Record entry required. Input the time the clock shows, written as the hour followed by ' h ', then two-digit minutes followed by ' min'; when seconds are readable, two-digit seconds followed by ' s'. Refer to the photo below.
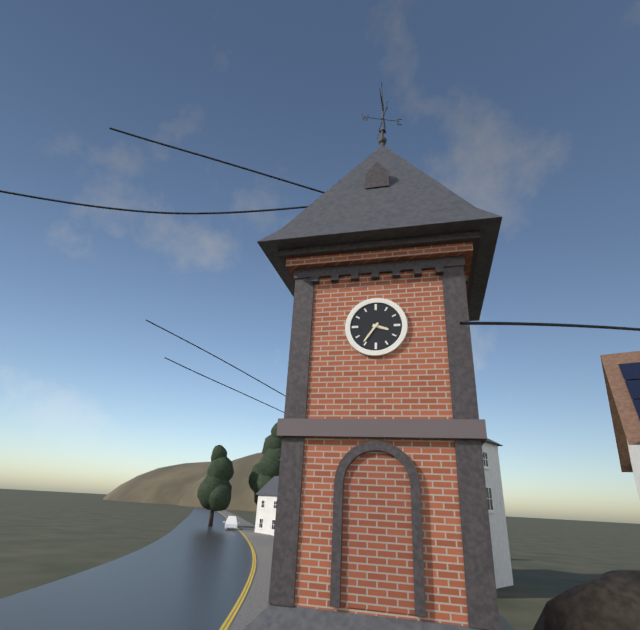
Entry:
3 h 36 min
